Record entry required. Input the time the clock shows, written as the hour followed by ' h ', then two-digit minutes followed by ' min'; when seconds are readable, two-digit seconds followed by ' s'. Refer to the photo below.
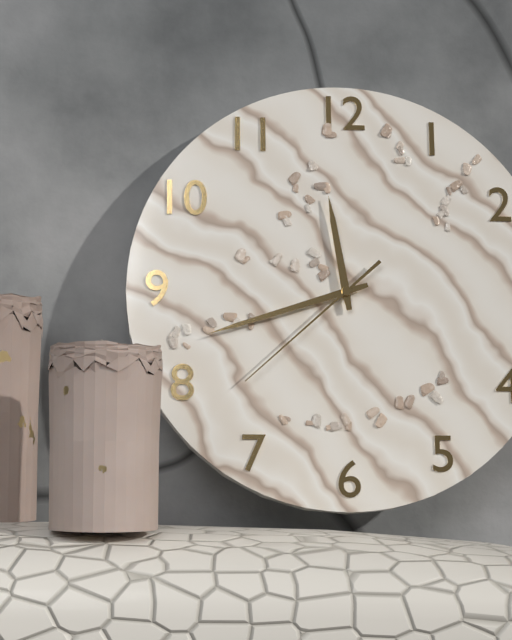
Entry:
11 h 42 min 38 s
